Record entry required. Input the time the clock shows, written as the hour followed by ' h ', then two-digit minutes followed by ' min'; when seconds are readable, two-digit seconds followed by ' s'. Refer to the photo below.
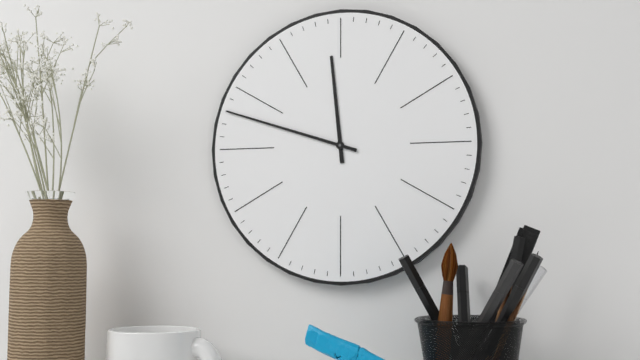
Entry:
11 h 48 min
